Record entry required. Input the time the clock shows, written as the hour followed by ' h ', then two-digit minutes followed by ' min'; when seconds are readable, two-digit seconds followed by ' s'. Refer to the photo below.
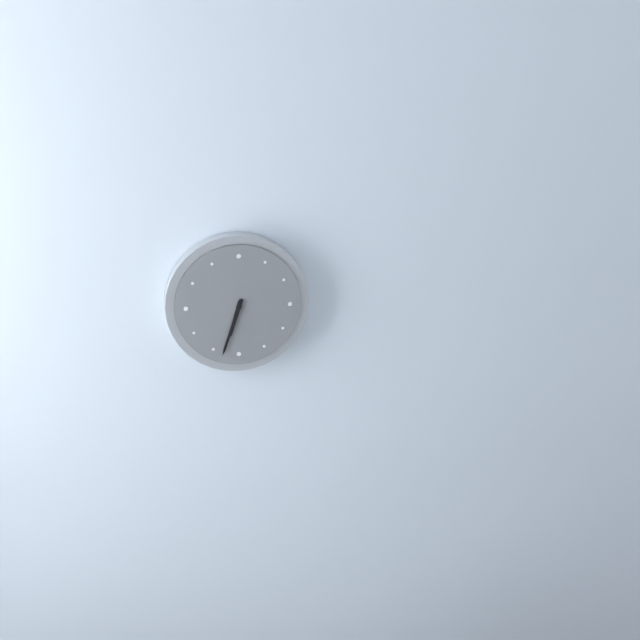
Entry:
6 h 33 min
